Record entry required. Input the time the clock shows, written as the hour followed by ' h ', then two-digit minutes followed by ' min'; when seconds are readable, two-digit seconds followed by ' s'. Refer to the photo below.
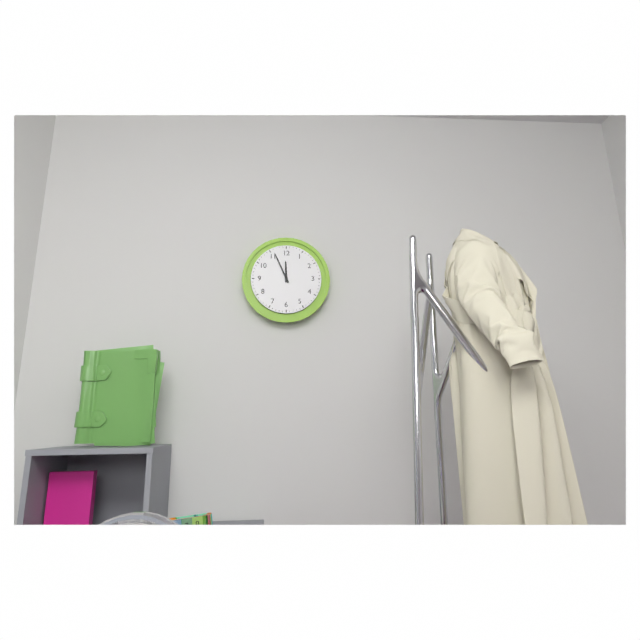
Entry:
11 h 56 min
